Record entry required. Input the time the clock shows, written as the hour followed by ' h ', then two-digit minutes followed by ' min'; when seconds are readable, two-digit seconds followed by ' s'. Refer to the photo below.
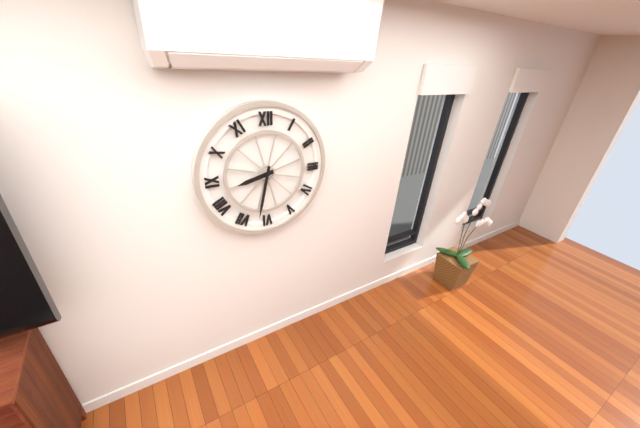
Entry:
8 h 32 min
